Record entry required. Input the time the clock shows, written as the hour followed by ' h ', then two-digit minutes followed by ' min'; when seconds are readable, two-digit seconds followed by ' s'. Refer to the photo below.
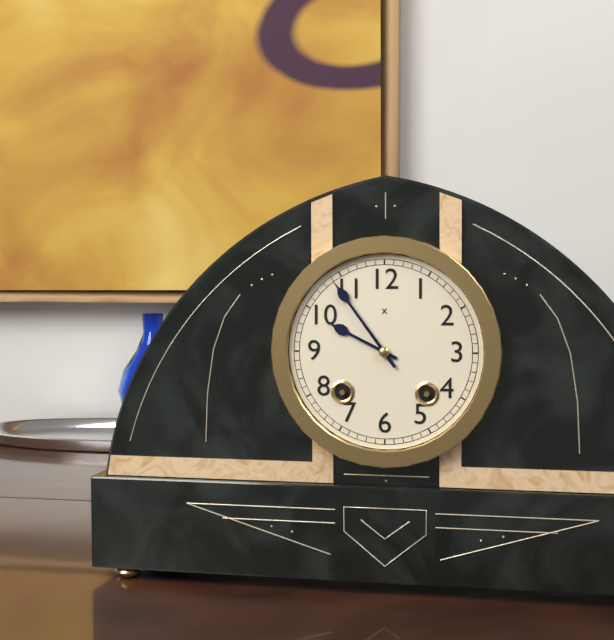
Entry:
9 h 54 min
